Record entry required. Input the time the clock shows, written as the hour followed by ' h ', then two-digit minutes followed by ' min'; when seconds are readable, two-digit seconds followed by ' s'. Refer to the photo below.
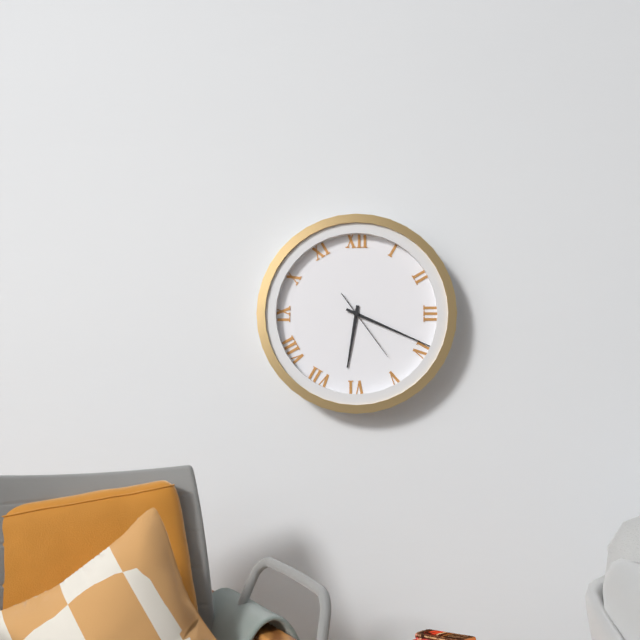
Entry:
6 h 19 min 24 s
